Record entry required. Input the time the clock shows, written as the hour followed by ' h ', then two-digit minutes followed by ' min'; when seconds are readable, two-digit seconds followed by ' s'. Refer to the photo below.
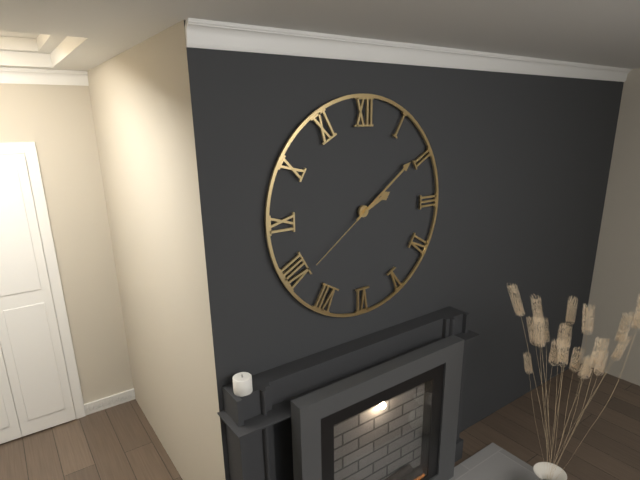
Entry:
2 h 09 min 39 s
